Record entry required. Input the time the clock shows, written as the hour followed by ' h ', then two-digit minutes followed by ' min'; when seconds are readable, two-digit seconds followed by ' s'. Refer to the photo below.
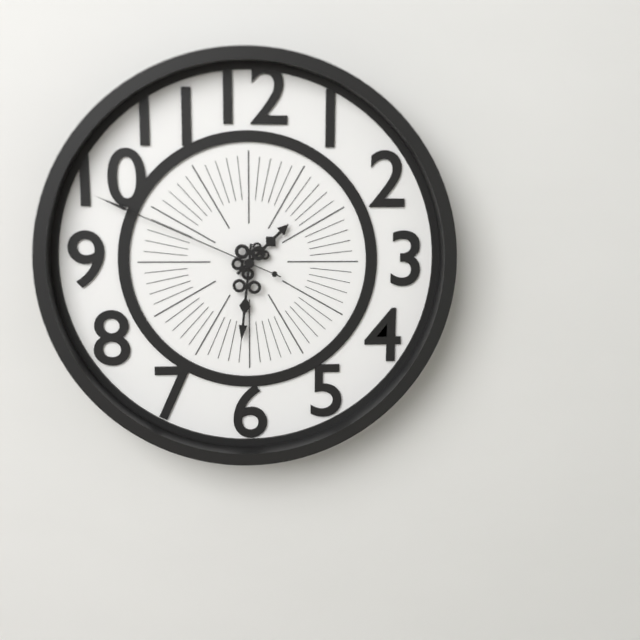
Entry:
1 h 31 min 49 s
